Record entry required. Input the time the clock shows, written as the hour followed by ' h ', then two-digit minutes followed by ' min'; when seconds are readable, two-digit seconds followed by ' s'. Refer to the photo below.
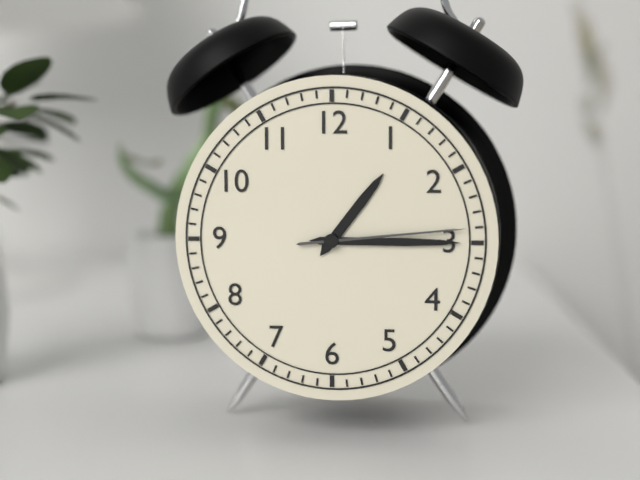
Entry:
1 h 15 min 14 s
